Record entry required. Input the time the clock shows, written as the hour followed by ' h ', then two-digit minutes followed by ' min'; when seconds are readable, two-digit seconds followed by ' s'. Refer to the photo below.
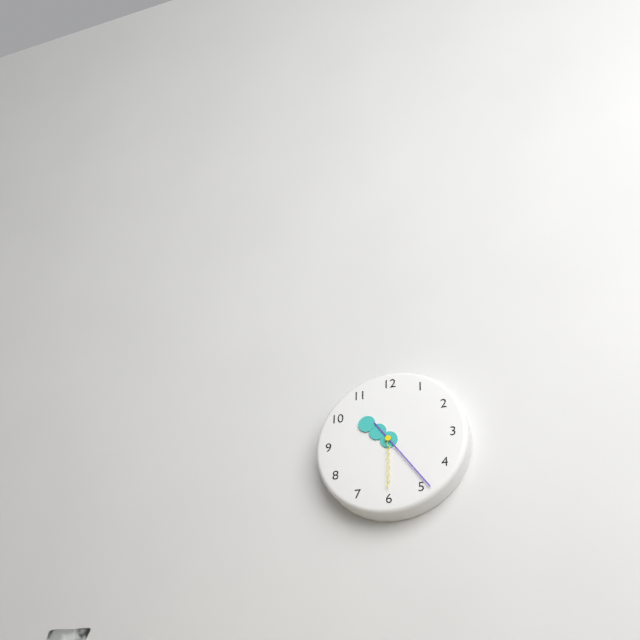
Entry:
10 h 24 min 30 s
